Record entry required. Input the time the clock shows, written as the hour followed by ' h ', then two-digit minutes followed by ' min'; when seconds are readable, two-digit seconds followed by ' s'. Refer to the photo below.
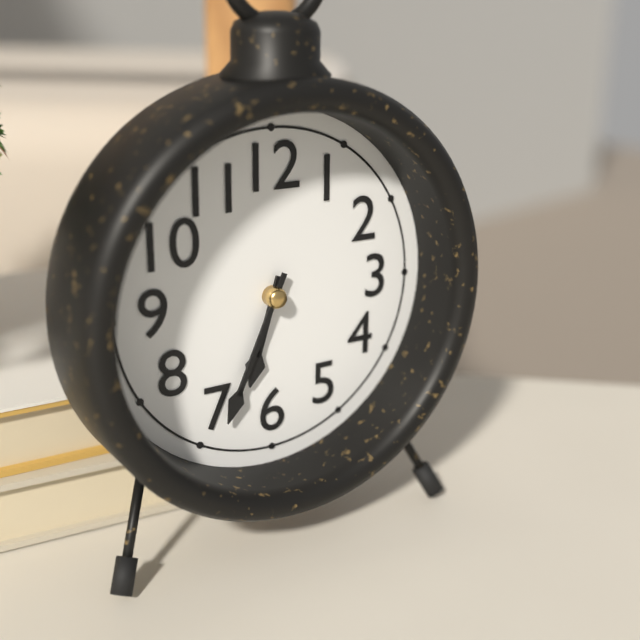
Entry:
6 h 34 min
